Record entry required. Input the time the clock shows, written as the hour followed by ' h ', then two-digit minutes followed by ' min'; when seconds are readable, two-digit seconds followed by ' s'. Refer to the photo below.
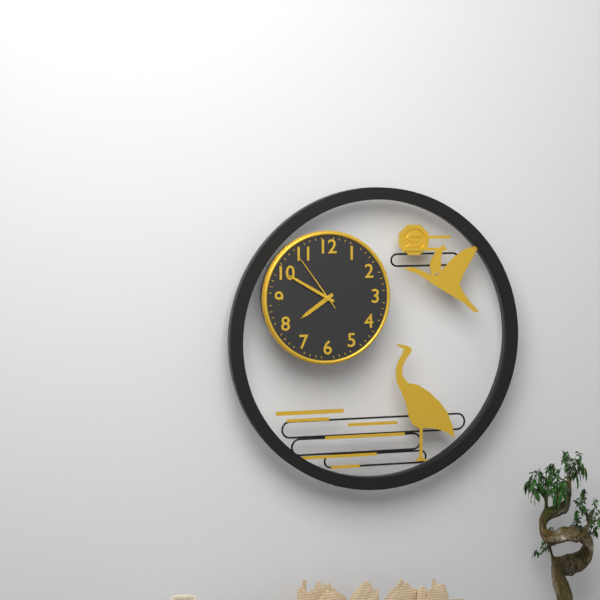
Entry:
7 h 50 min 54 s
